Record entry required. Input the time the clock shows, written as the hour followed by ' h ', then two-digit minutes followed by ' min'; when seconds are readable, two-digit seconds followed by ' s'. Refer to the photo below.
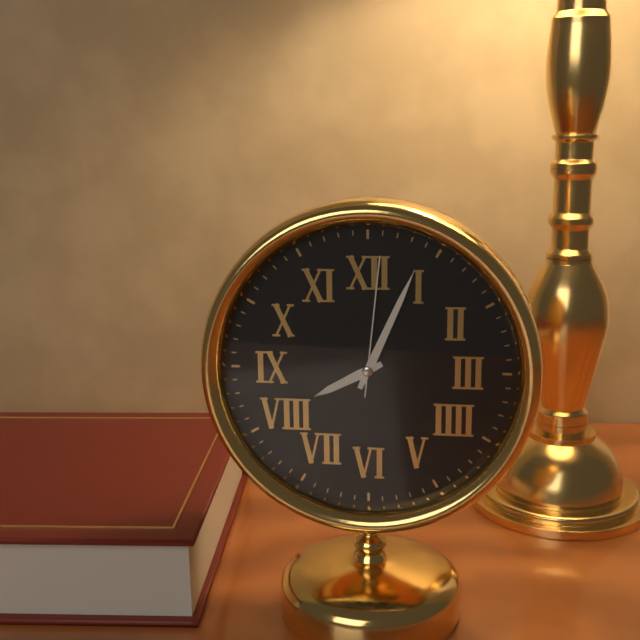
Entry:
8 h 04 min 01 s
